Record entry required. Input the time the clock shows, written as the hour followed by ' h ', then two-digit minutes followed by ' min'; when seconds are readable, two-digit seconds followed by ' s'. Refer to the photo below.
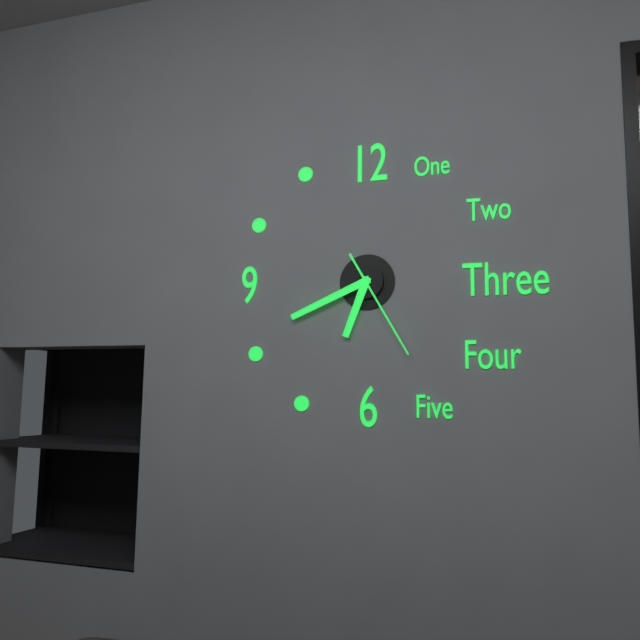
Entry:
6 h 41 min 25 s
